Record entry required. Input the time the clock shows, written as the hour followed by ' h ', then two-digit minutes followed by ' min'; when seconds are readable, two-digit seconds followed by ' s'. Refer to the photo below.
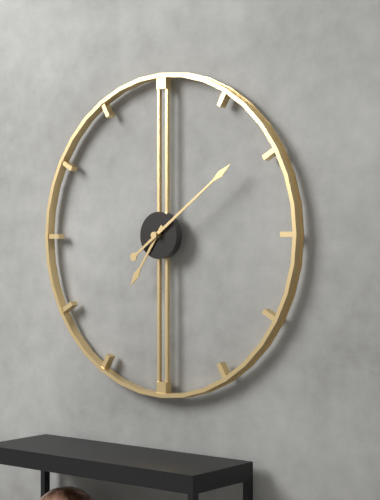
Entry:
7 h 09 min
